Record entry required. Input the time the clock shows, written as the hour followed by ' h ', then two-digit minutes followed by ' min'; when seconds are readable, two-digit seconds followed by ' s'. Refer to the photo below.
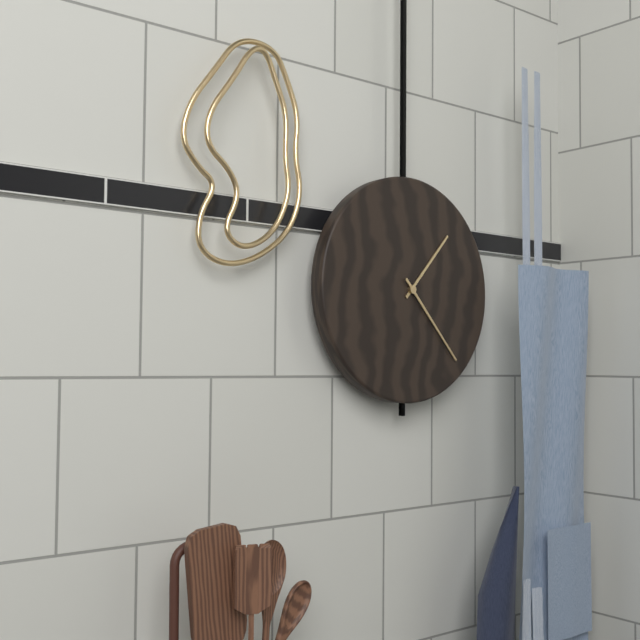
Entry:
1 h 23 min
